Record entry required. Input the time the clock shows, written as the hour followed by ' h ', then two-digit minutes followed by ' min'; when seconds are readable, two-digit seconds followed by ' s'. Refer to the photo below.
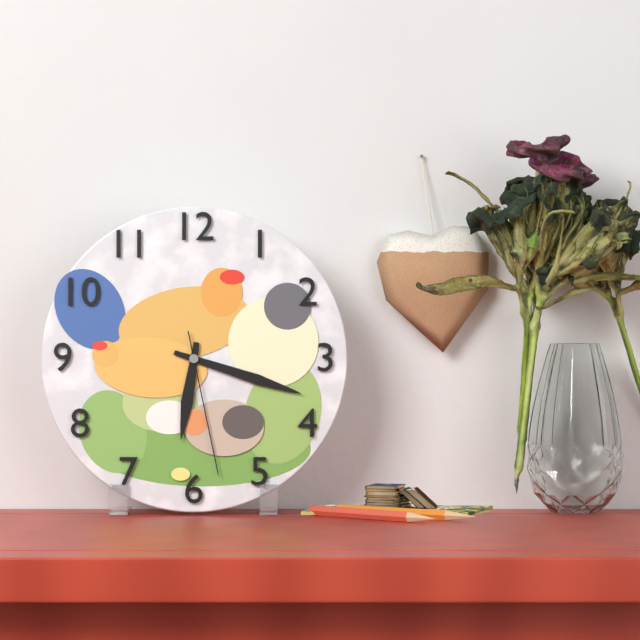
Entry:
6 h 18 min 28 s
